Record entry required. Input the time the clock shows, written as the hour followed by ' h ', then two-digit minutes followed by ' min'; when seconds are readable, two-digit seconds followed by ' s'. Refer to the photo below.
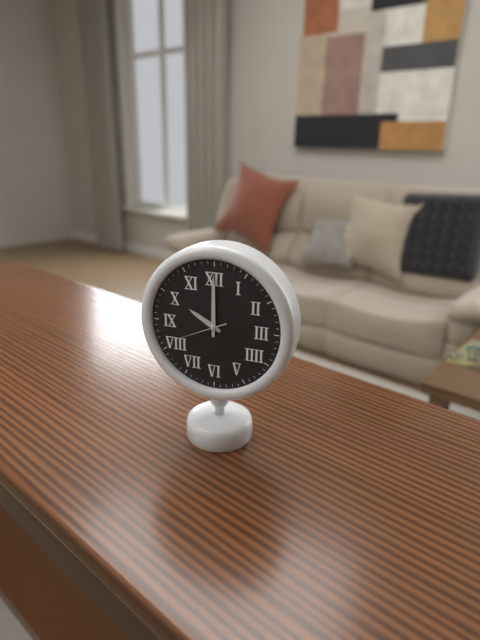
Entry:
10 h 00 min 41 s
